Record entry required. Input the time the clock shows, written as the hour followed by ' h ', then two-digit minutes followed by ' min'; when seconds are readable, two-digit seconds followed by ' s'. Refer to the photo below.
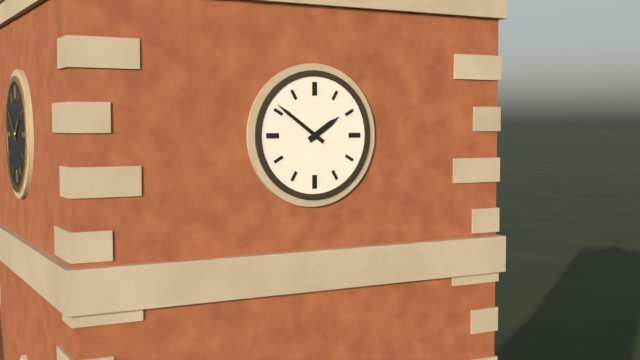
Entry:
1 h 51 min
